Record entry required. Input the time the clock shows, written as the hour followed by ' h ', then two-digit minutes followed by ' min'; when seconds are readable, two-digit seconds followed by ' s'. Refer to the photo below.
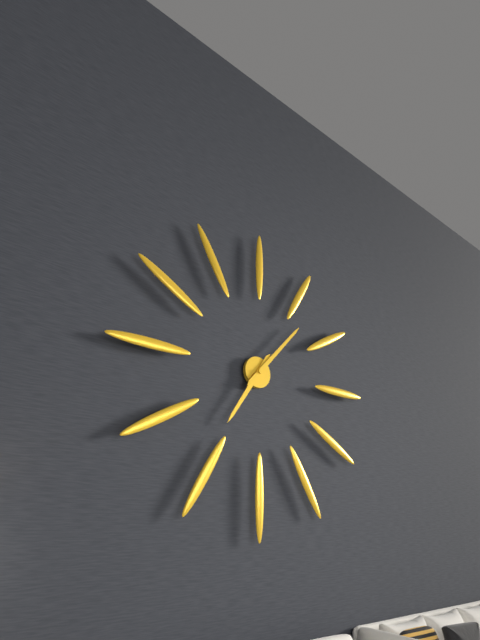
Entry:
7 h 07 min
